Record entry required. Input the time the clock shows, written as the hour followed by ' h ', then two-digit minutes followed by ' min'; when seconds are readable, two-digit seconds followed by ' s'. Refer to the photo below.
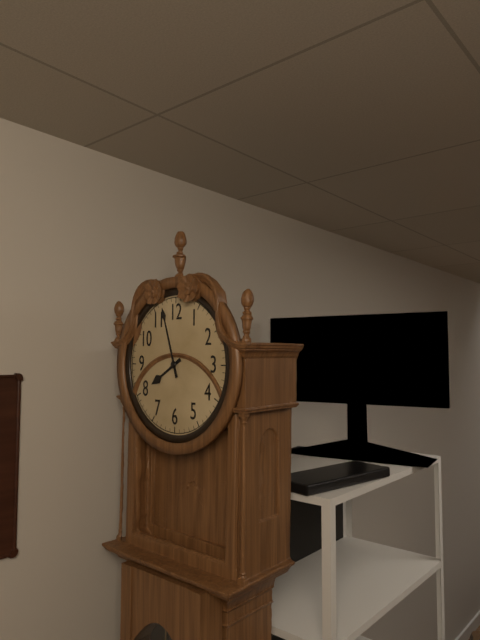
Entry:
7 h 57 min
